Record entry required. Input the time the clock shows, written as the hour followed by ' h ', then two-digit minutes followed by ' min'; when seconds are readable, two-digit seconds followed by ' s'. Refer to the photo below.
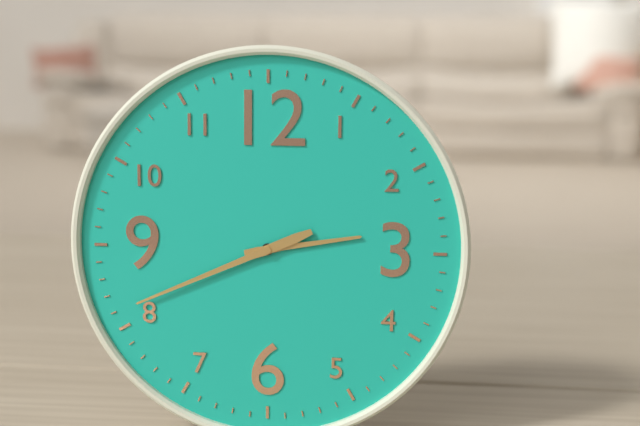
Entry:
2 h 41 min
